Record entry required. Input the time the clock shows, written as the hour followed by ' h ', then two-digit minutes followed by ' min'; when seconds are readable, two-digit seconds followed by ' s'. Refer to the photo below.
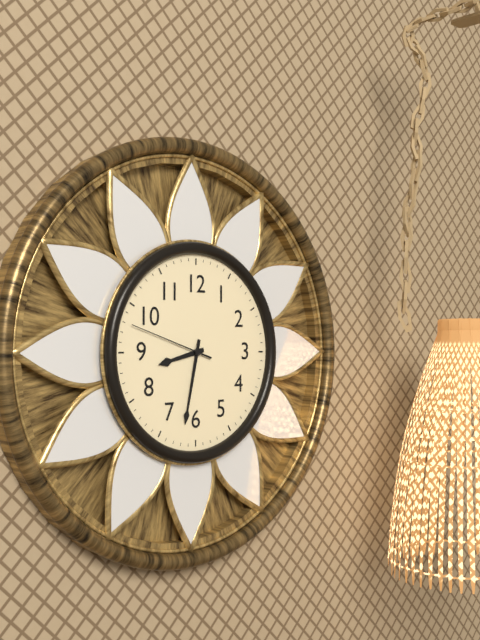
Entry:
8 h 32 min 48 s
